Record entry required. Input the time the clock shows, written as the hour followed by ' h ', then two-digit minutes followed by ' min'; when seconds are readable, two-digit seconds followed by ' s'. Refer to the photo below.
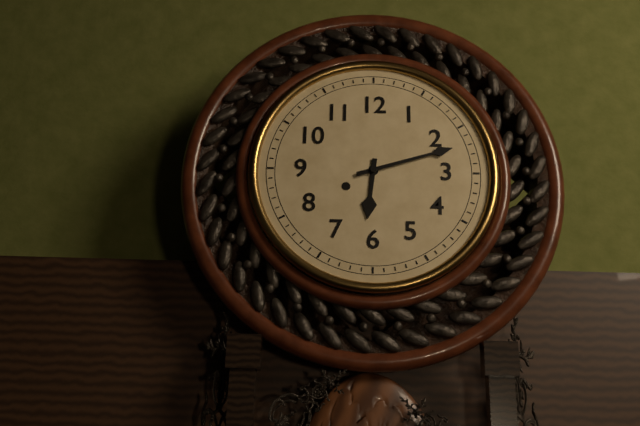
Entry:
6 h 12 min
